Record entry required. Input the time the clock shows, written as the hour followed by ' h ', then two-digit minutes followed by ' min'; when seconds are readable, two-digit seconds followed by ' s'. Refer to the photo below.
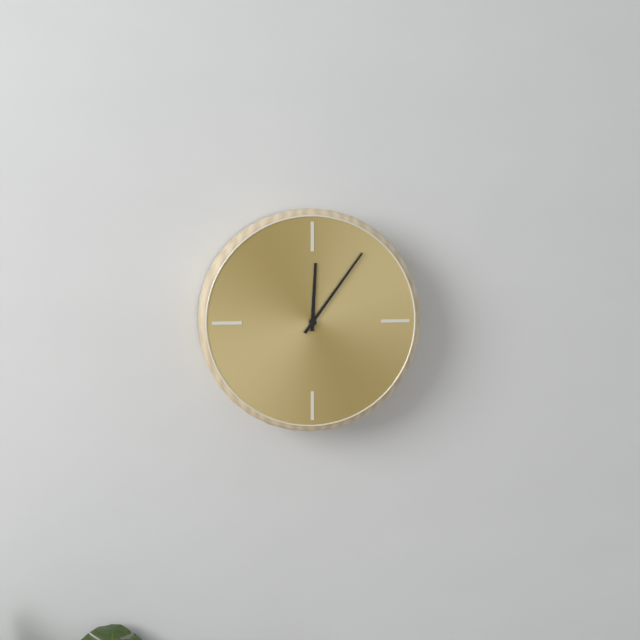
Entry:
12 h 06 min
